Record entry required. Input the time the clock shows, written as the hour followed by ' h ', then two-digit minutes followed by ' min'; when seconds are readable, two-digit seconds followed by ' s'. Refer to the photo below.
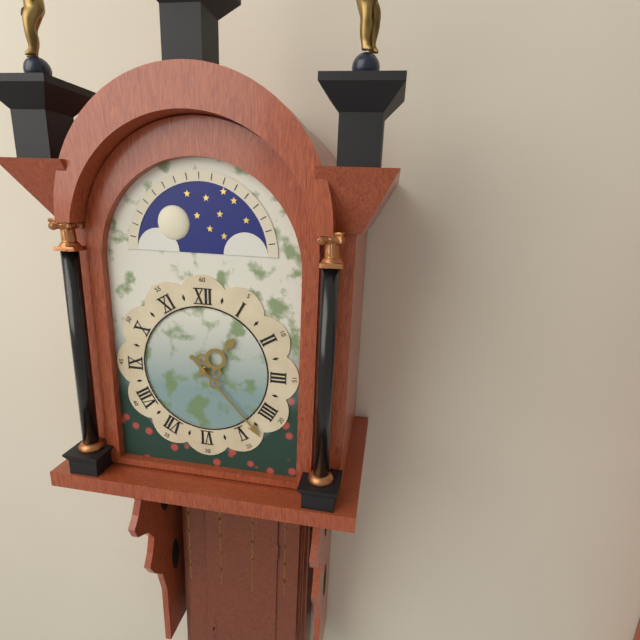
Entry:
1 h 23 min
